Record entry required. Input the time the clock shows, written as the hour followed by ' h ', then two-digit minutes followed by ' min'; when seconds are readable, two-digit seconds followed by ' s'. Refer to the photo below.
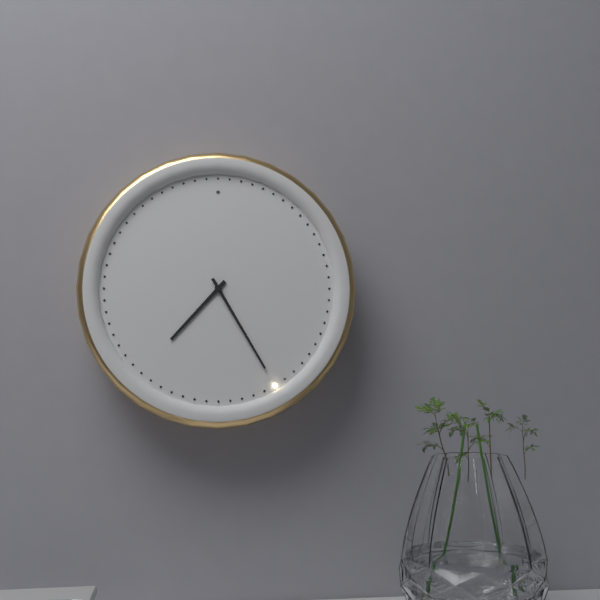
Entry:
7 h 25 min
